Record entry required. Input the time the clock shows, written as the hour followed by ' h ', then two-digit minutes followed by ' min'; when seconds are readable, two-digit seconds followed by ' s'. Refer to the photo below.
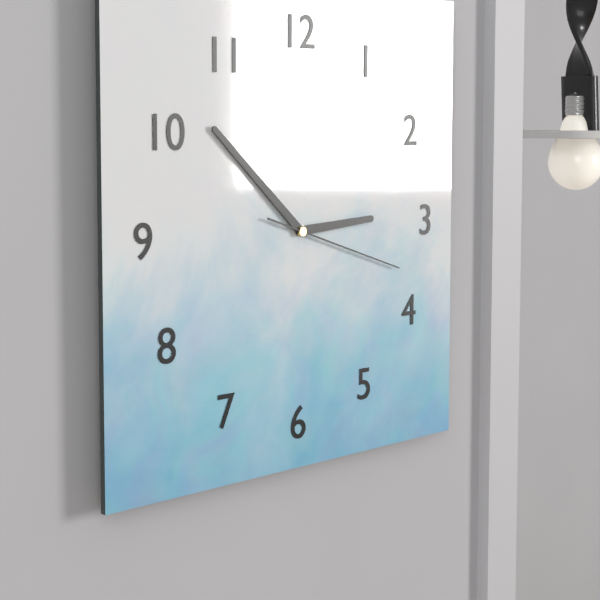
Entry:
2 h 52 min 18 s
